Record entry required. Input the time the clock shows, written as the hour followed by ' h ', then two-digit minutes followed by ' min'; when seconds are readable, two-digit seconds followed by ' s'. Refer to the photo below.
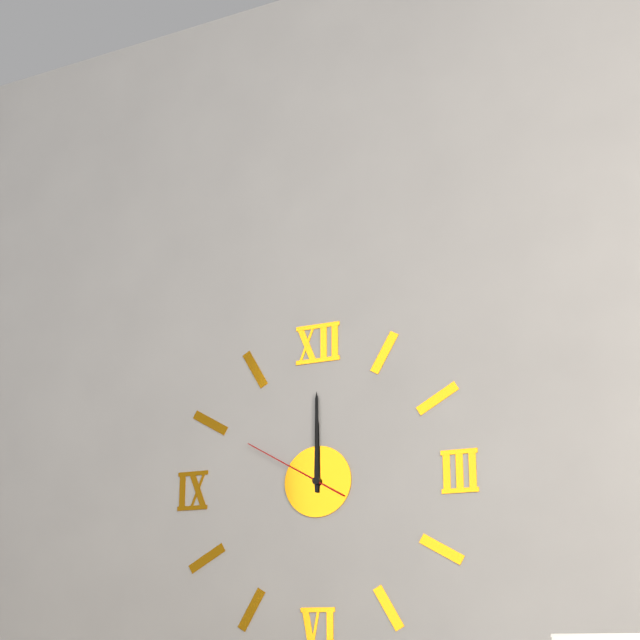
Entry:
12 h 00 min 50 s
